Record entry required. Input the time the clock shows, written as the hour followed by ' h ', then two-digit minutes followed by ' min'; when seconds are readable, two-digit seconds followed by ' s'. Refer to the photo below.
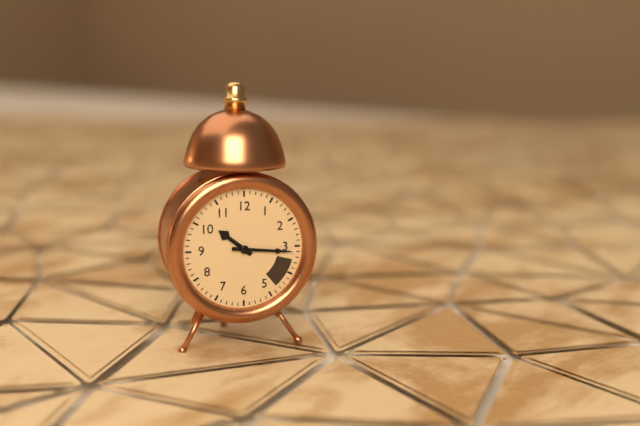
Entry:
10 h 16 min
